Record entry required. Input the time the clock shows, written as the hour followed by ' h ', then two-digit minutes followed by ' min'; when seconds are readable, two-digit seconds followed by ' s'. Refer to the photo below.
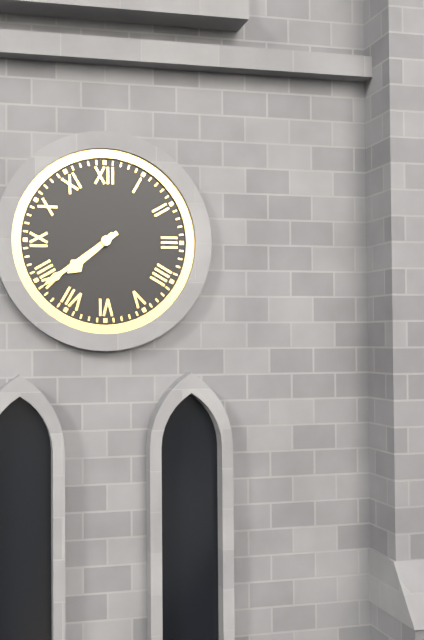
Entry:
7 h 39 min
